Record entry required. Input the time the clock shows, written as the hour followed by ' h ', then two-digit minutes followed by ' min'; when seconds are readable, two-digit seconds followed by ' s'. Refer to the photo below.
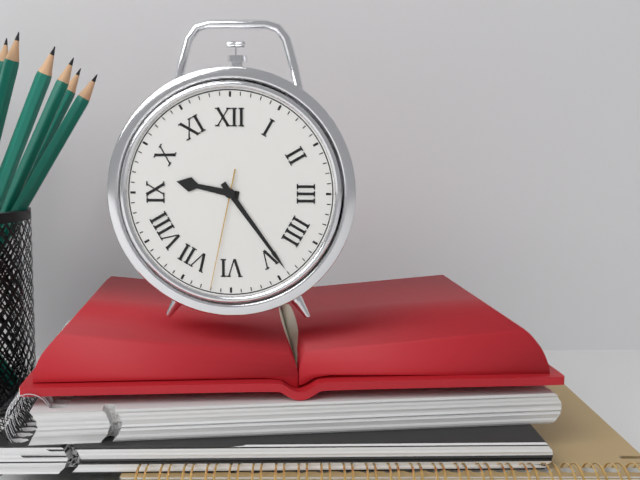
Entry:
9 h 24 min 32 s
